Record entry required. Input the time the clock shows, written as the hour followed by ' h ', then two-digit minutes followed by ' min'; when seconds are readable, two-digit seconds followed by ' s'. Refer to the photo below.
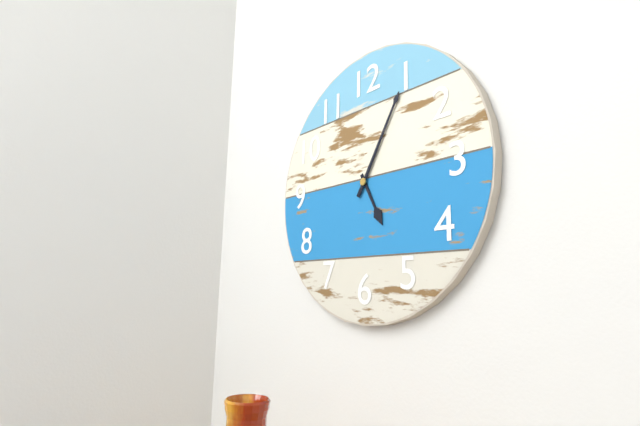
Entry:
5 h 05 min
